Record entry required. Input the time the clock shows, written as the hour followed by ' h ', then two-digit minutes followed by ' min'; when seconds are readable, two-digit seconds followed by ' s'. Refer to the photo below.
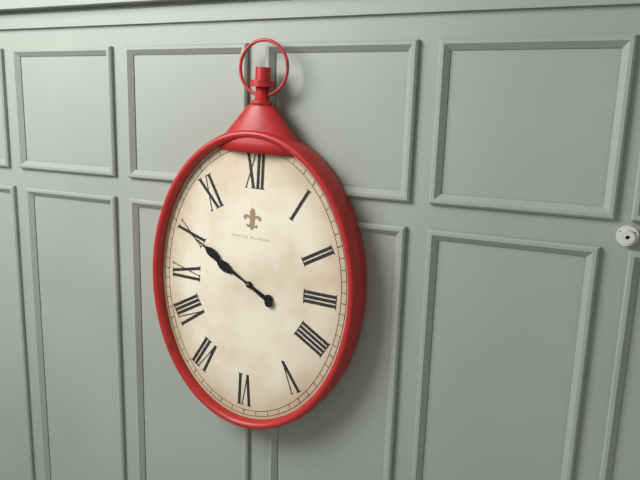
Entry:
9 h 50 min
